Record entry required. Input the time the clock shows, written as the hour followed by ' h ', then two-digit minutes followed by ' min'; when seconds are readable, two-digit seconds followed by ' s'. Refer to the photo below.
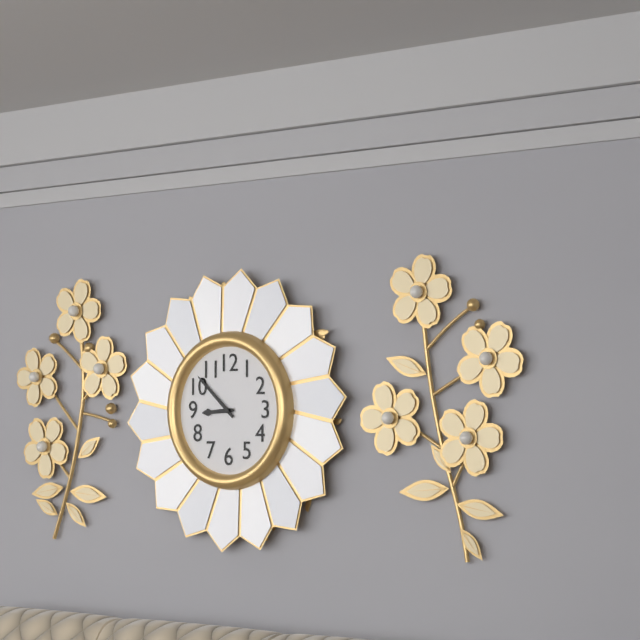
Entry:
8 h 52 min
